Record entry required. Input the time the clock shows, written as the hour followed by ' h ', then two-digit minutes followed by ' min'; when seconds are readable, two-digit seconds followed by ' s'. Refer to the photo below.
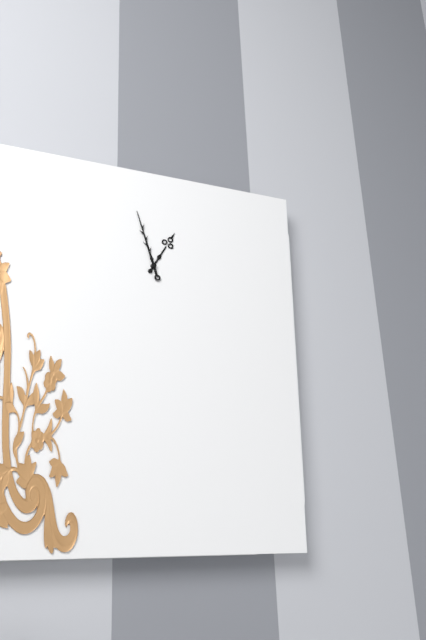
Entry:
12 h 57 min
